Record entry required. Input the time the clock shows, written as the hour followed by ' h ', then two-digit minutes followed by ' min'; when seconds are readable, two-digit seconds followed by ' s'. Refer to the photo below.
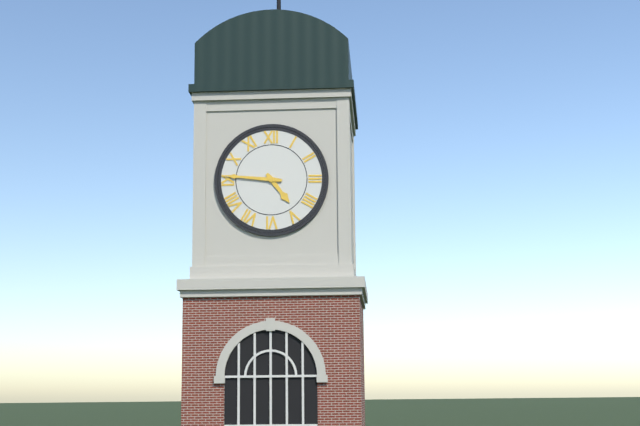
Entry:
4 h 46 min
